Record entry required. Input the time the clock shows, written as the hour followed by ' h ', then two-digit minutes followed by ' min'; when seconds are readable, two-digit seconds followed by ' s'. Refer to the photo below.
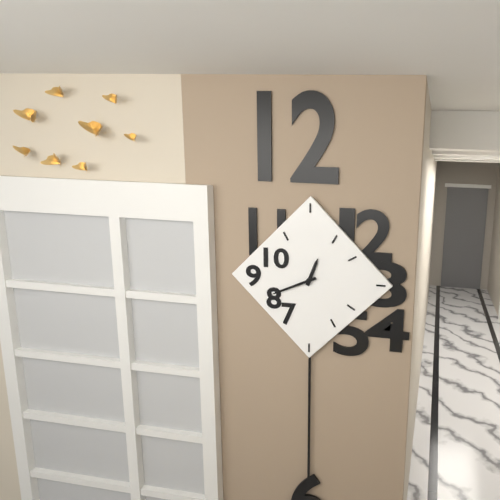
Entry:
12 h 41 min
